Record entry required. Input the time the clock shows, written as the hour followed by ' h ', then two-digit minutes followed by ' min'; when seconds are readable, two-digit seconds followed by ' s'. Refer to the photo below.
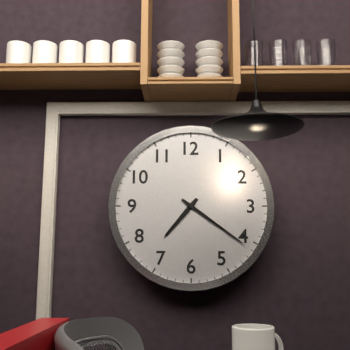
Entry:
7 h 21 min
